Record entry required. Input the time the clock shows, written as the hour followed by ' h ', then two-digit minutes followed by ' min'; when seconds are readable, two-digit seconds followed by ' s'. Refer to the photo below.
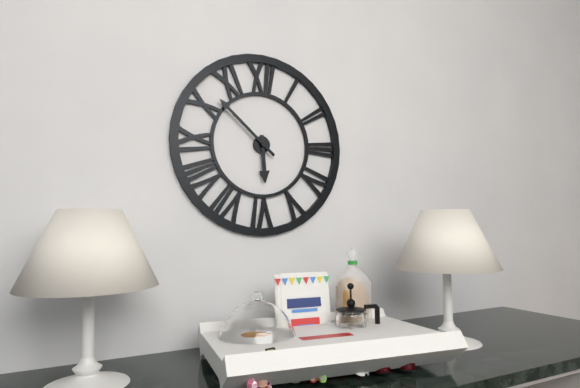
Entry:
5 h 52 min
